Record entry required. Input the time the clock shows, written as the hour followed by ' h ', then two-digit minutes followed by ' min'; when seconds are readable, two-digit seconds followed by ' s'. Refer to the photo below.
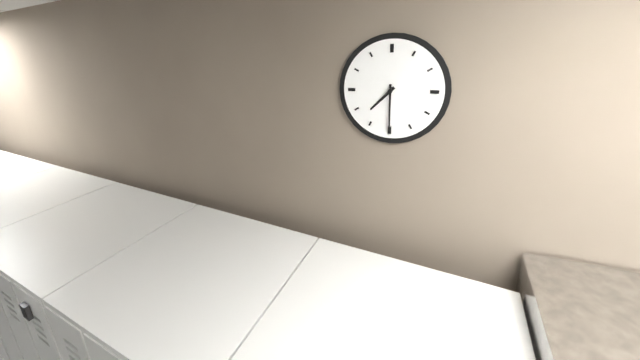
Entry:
7 h 30 min
